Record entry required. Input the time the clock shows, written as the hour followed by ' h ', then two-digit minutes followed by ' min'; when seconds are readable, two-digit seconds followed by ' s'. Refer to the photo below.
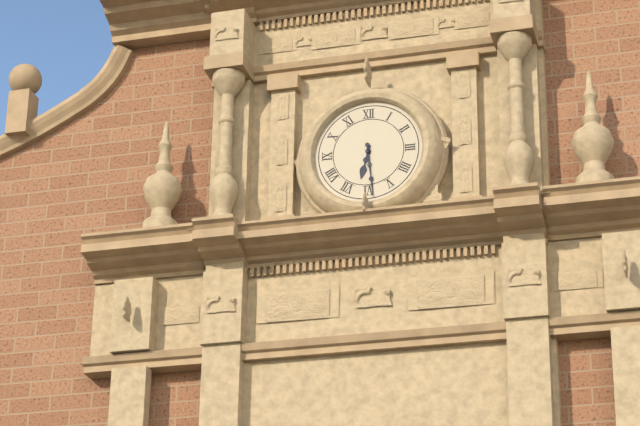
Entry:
6 h 29 min
